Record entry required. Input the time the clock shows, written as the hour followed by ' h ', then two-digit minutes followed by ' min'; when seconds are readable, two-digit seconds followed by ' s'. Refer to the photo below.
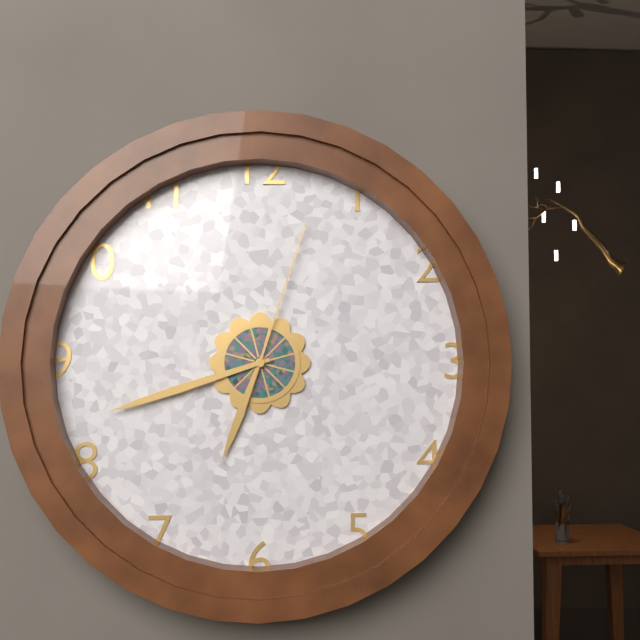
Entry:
6 h 42 min 03 s
